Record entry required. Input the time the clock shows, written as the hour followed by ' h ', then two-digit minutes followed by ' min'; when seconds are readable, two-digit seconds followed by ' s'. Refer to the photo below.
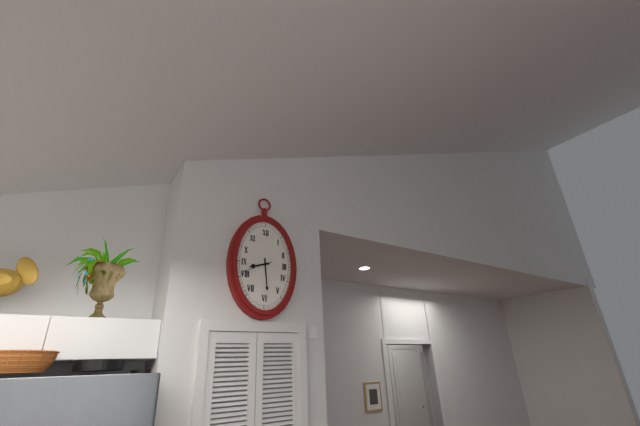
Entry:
8 h 29 min
